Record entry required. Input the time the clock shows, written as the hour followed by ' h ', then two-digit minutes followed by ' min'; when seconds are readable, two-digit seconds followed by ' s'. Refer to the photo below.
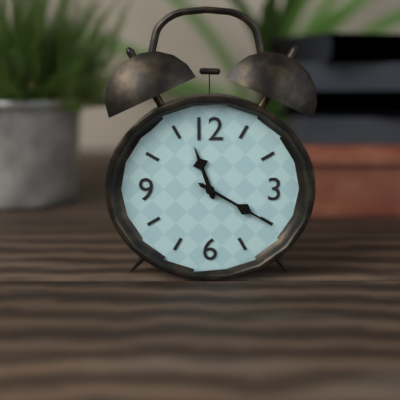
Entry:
11 h 20 min
